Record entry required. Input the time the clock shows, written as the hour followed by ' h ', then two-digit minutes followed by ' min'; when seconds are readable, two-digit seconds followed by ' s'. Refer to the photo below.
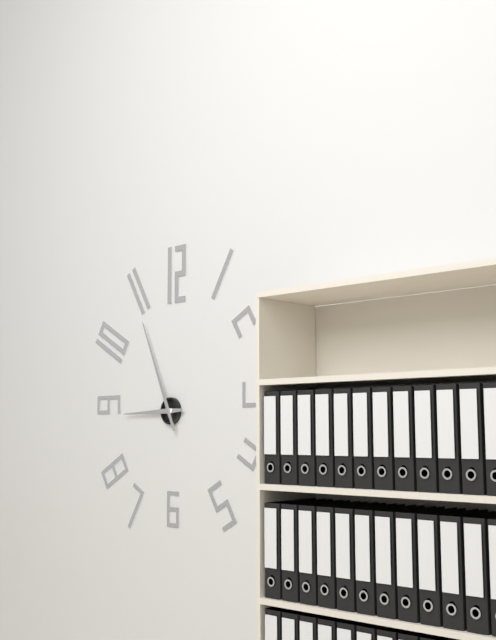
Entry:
8 h 56 min
